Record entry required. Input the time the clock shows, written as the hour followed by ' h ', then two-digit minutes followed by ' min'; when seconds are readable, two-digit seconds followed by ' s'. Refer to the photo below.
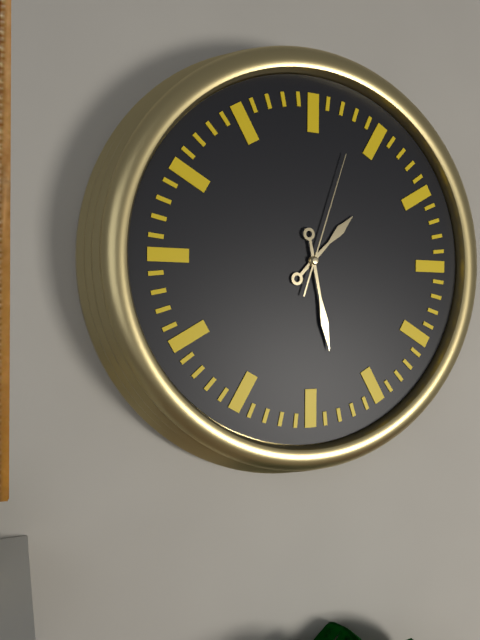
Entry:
1 h 28 min 03 s
